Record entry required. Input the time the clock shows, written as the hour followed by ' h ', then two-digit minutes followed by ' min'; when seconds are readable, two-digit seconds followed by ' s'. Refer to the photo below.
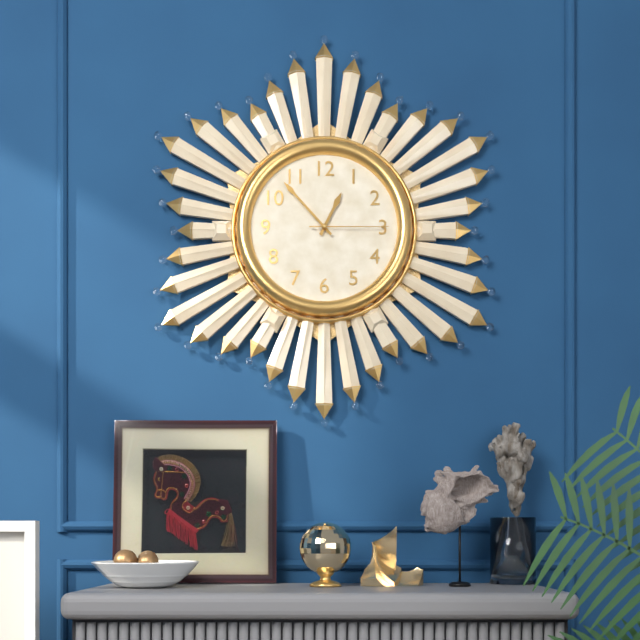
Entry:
12 h 53 min 15 s
